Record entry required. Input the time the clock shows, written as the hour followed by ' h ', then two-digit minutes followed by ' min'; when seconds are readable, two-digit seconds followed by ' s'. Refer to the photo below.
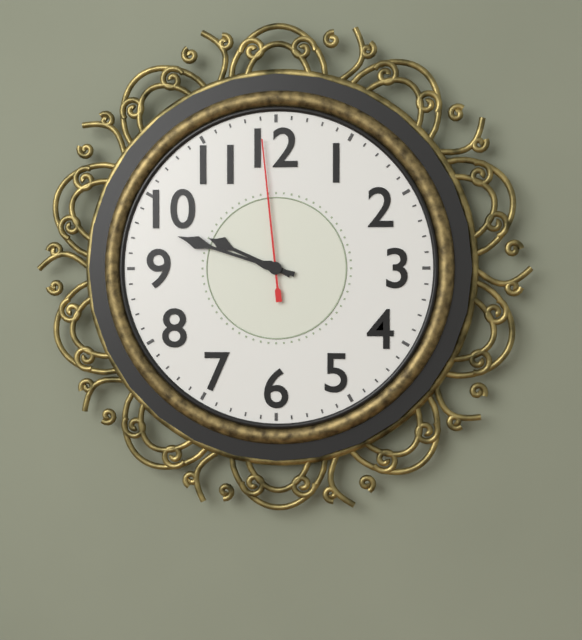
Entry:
9 h 48 min 59 s
